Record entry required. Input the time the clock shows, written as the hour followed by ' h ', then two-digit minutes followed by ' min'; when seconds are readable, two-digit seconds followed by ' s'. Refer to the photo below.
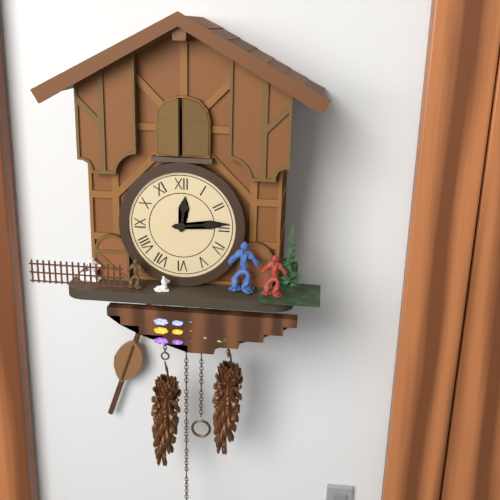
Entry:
12 h 14 min
